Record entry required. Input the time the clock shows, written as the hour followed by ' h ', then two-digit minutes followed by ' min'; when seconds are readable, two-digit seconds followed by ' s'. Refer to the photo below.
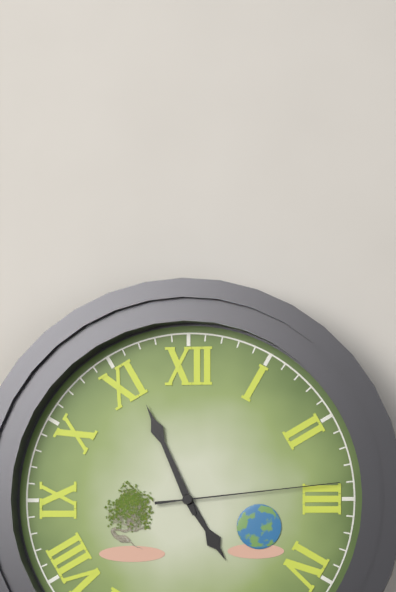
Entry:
4 h 56 min 14 s
